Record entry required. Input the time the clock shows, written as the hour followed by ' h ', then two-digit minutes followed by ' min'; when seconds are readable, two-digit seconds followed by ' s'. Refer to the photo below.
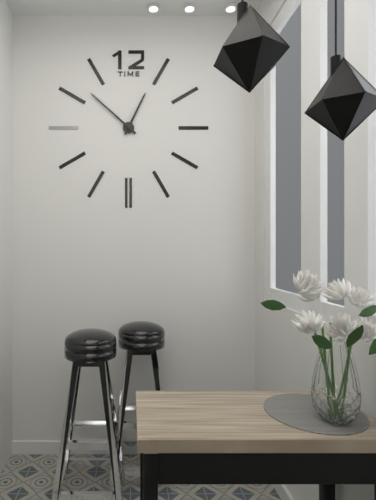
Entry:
12 h 52 min
